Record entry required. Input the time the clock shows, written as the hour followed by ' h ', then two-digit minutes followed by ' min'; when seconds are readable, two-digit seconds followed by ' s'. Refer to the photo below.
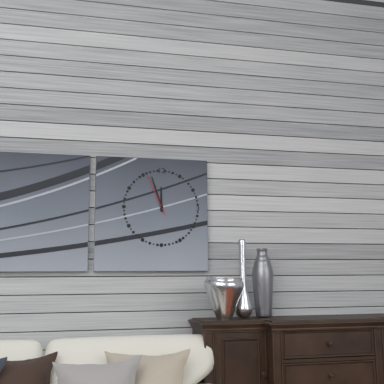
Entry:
11 h 57 min
